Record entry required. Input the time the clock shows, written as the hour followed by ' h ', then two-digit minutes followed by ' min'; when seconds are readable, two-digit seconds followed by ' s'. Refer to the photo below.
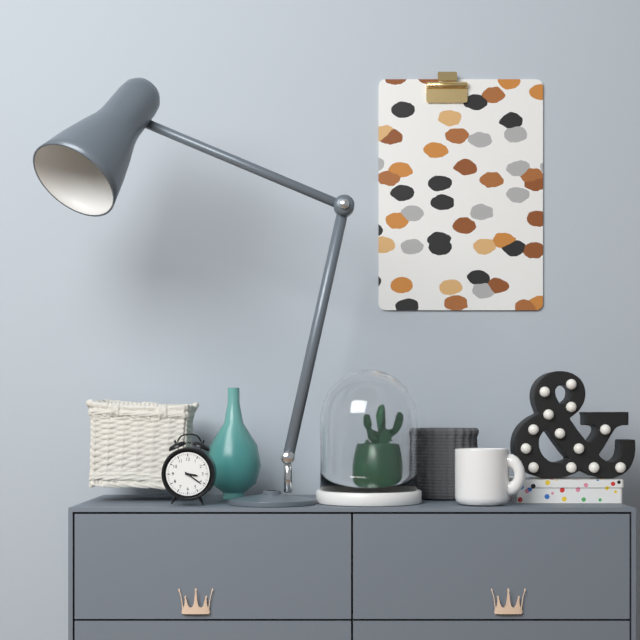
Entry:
3 h 21 min
